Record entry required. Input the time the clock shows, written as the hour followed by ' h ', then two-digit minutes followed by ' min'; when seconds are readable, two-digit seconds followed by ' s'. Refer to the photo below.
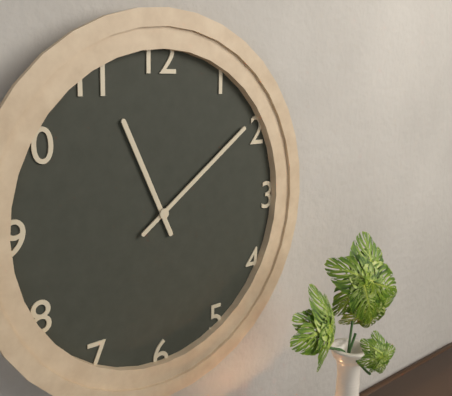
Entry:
11 h 09 min
